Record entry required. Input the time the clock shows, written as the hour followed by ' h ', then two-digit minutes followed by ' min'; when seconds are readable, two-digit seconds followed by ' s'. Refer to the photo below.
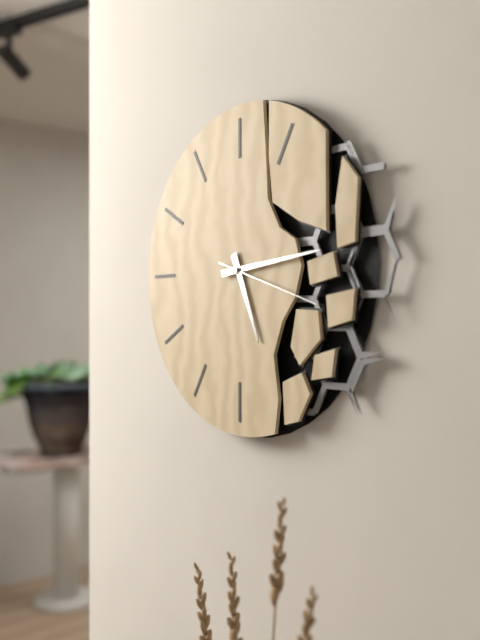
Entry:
5 h 14 min 18 s
